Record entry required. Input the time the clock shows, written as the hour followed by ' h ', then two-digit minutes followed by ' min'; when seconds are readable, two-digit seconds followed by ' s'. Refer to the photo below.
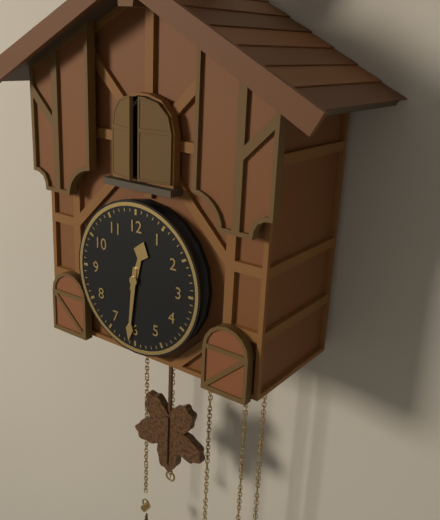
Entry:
12 h 31 min
